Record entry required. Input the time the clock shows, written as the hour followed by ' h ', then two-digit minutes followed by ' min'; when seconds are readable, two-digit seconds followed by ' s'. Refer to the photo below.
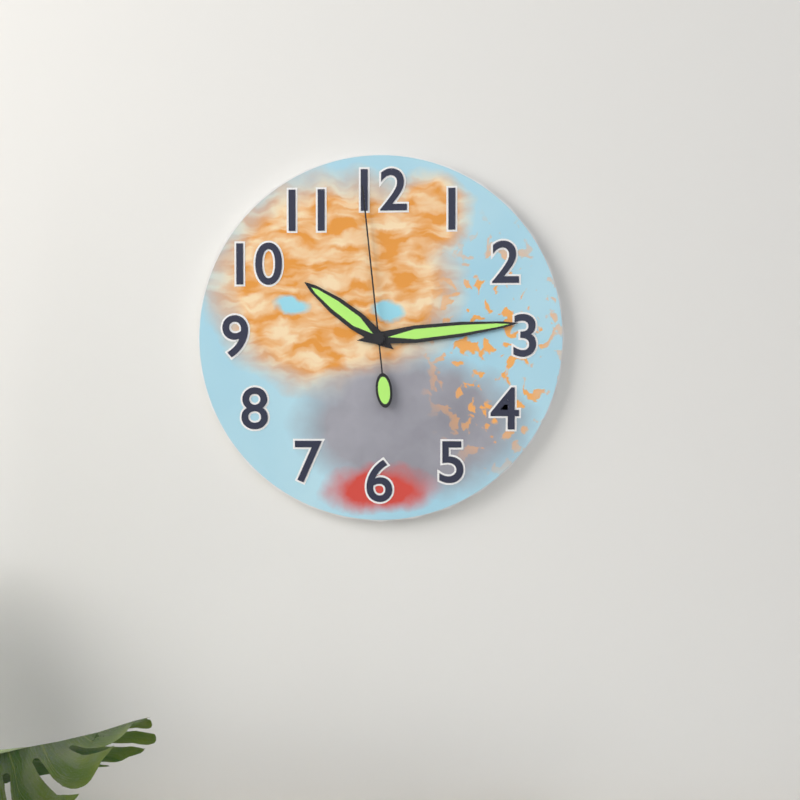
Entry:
10 h 14 min 59 s
